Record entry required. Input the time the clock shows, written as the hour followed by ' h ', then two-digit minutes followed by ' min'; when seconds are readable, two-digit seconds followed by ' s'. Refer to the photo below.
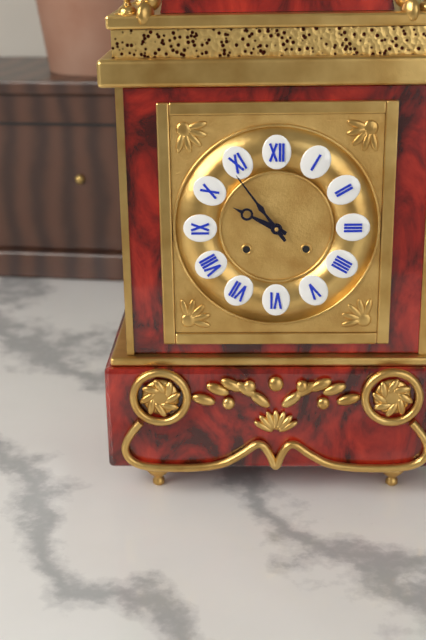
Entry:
9 h 54 min
